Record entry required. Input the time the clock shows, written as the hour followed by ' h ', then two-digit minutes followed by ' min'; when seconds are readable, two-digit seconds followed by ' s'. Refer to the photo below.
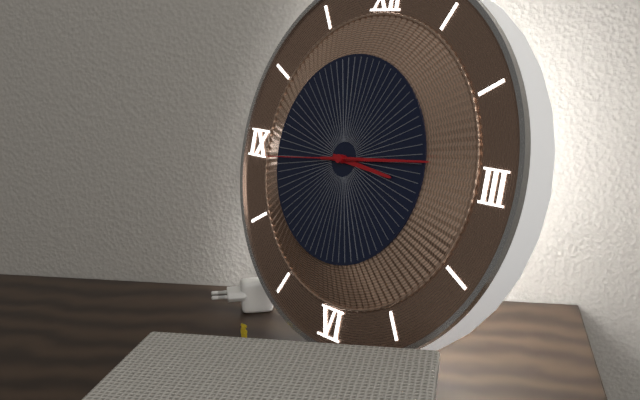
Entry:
3 h 14 min 44 s
